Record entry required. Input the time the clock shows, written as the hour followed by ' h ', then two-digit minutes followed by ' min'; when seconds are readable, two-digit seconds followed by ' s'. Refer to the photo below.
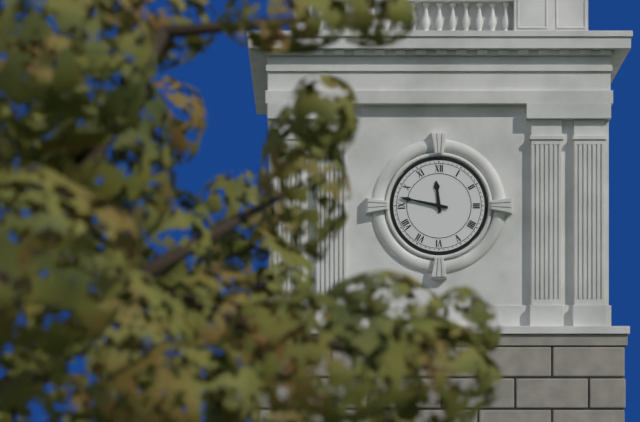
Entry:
11 h 47 min
